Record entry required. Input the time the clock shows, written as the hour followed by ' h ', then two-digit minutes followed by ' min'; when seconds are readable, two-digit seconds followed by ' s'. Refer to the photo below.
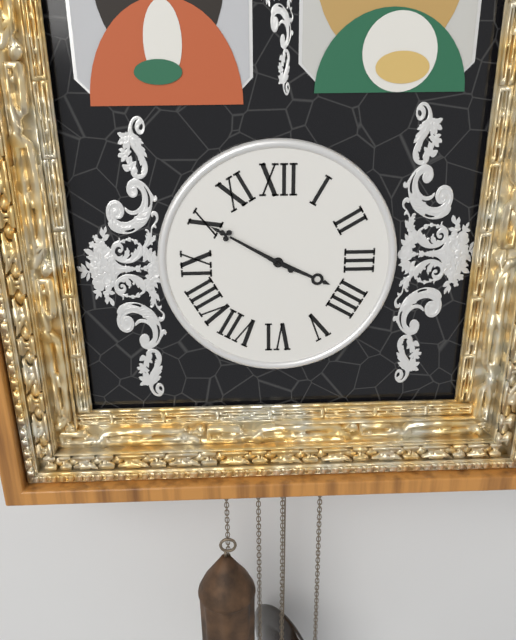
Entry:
3 h 50 min
